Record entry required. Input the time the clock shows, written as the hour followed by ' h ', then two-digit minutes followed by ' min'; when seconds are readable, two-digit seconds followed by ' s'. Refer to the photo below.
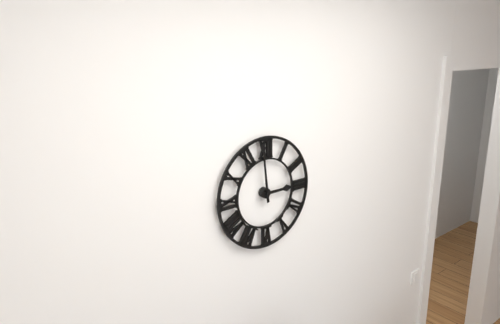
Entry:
2 h 59 min
